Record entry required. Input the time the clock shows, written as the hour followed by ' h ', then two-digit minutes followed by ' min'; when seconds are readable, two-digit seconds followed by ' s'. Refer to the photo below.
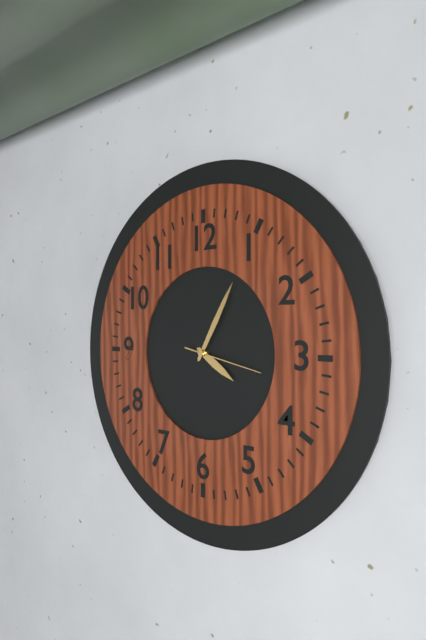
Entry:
4 h 05 min 17 s
